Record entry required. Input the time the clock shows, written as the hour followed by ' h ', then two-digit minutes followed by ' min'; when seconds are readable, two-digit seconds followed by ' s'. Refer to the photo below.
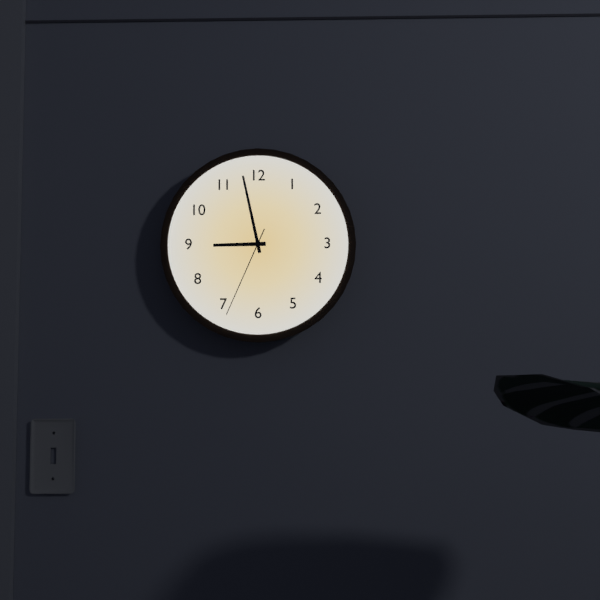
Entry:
8 h 58 min 34 s
